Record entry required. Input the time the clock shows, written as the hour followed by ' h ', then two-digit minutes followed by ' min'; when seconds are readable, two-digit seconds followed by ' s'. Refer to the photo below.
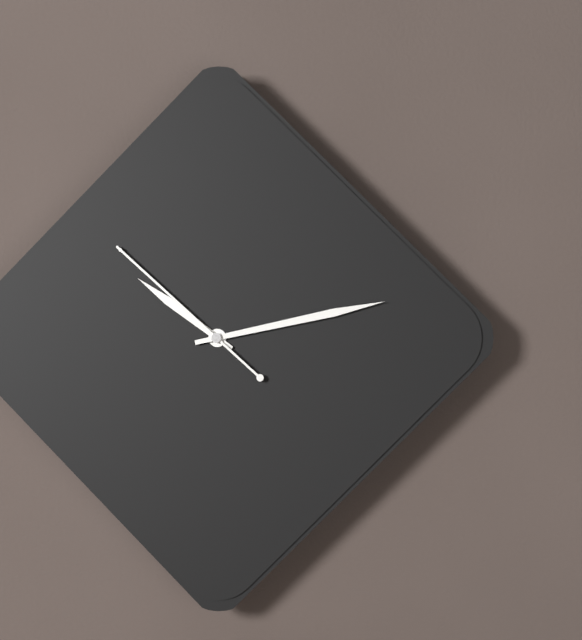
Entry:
10 h 13 min 52 s
